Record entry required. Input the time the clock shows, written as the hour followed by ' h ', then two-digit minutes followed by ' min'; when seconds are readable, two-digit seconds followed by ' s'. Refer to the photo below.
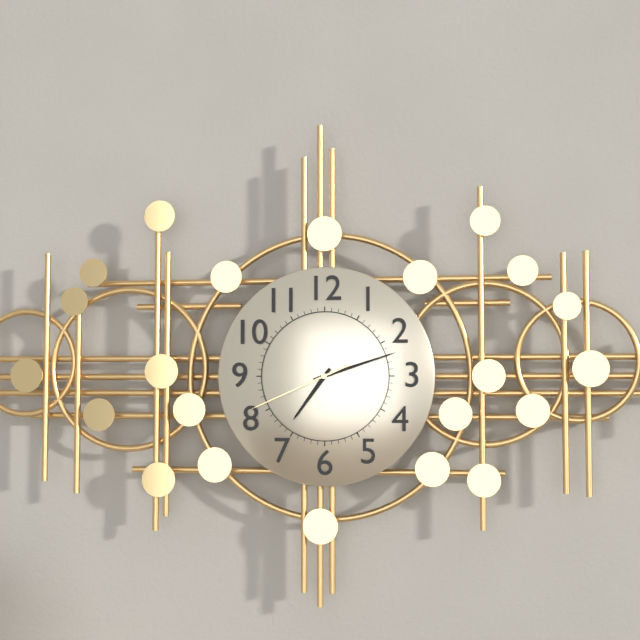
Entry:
7 h 12 min 41 s
